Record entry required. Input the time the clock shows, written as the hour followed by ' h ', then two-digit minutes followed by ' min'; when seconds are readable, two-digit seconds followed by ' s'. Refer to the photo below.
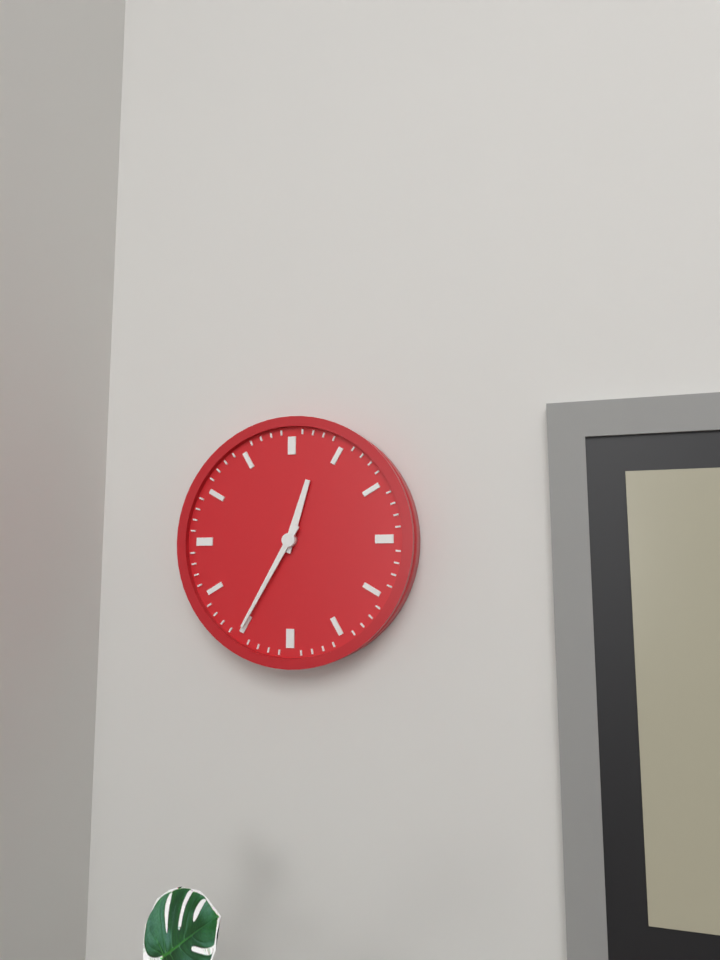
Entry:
12 h 35 min
